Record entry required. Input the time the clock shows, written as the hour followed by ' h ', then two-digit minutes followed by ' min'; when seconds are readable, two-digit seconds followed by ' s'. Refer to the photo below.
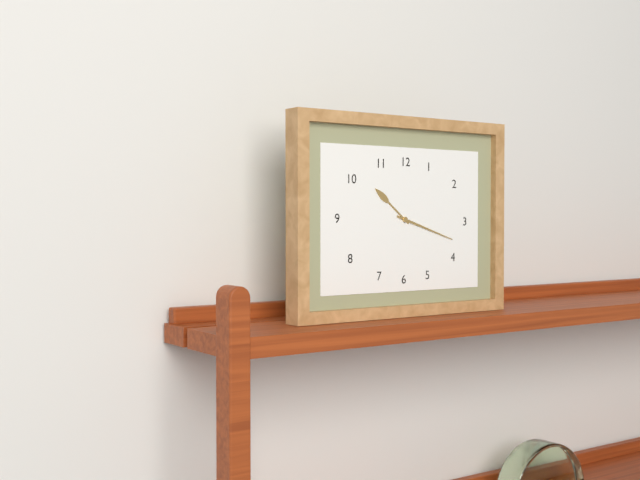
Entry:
10 h 18 min
